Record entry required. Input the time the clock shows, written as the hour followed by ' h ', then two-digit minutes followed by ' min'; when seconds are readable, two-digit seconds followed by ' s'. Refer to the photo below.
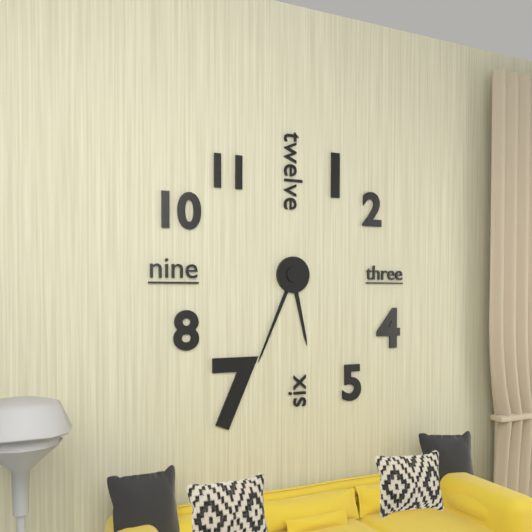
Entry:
5 h 34 min
